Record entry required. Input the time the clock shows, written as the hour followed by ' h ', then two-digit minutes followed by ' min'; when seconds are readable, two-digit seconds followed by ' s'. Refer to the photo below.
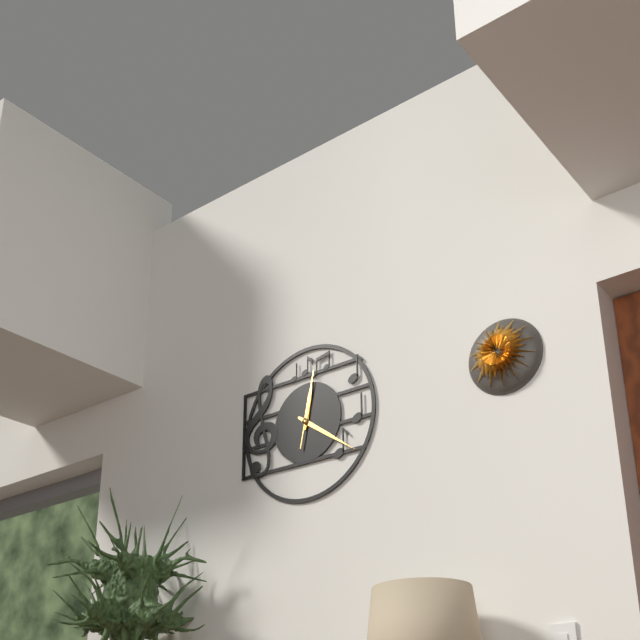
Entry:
12 h 21 min 02 s
